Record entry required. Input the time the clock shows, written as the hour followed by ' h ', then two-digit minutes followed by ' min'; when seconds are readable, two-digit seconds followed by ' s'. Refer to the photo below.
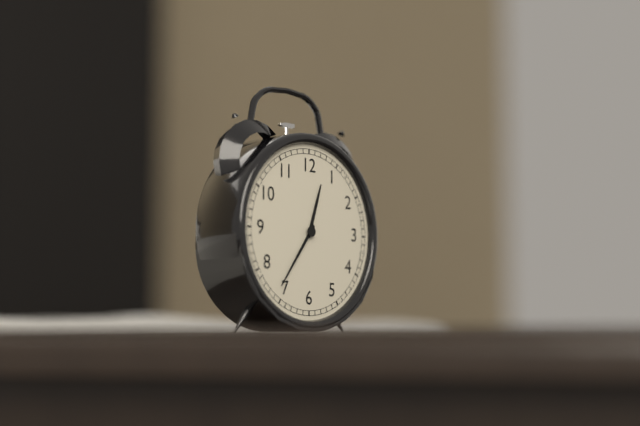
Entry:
12 h 36 min
